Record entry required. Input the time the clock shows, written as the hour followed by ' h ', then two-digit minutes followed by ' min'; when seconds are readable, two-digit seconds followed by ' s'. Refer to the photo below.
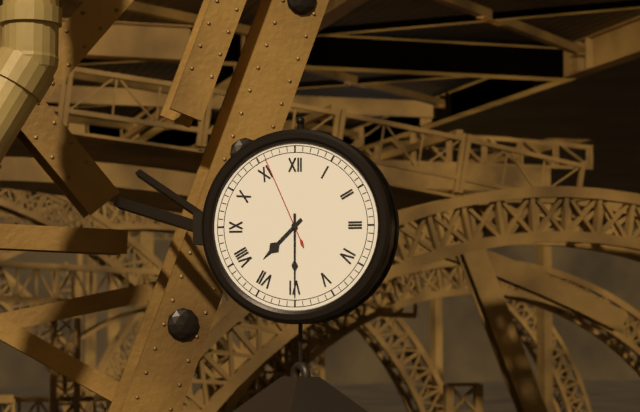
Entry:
7 h 30 min 56 s
